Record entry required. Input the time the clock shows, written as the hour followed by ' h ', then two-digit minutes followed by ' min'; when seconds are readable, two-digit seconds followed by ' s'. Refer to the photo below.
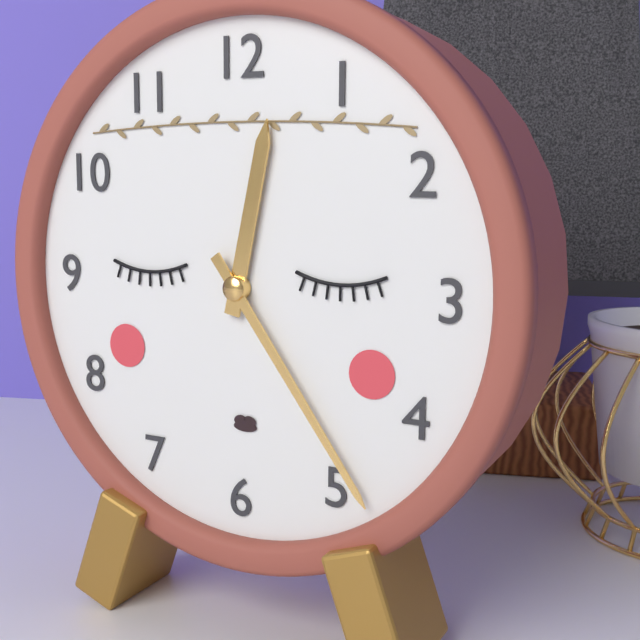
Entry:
12 h 24 min
